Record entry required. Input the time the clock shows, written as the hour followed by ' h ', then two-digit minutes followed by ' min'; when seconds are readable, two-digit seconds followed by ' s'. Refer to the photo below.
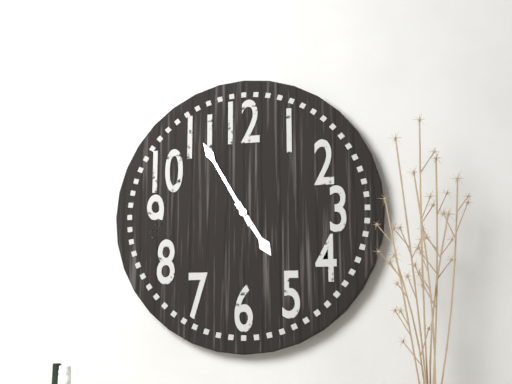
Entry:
4 h 55 min
